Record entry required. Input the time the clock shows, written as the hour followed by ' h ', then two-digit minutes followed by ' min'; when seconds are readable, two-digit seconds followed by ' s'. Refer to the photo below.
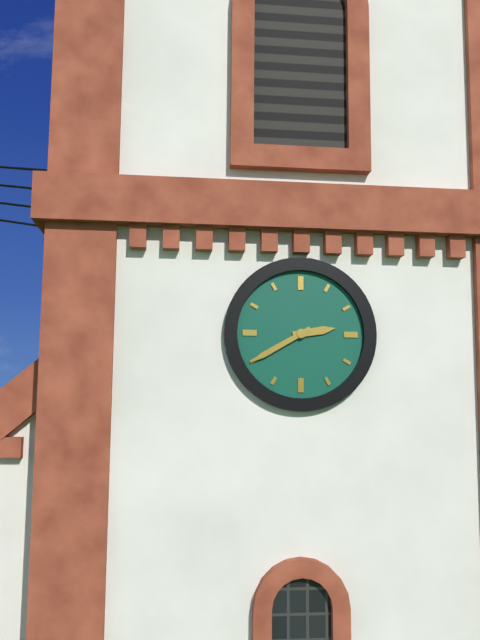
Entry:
2 h 40 min
